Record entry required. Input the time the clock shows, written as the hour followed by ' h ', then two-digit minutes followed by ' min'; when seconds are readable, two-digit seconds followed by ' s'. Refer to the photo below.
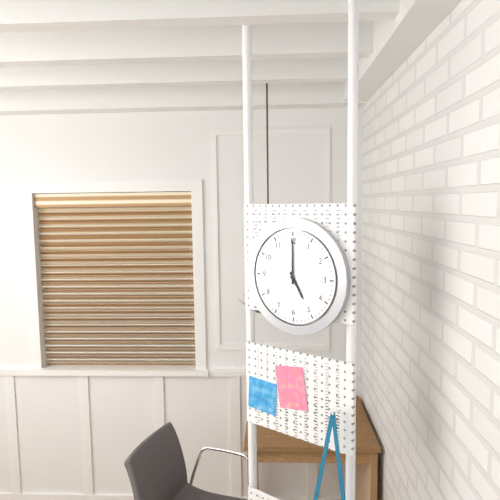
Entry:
5 h 00 min
